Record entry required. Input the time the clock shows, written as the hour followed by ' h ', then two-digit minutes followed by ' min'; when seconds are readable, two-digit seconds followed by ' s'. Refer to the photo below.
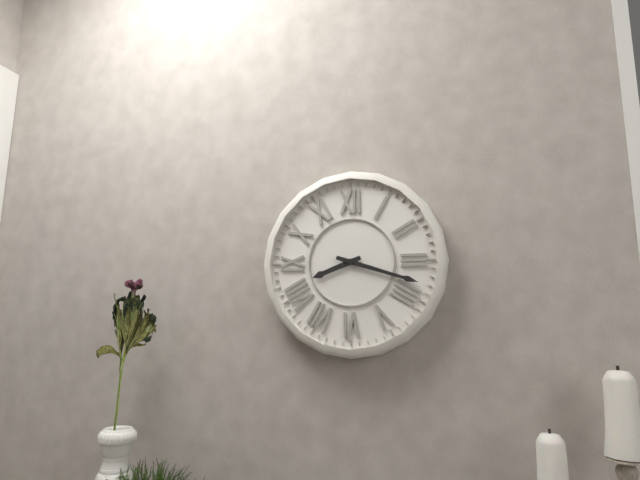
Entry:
8 h 18 min
